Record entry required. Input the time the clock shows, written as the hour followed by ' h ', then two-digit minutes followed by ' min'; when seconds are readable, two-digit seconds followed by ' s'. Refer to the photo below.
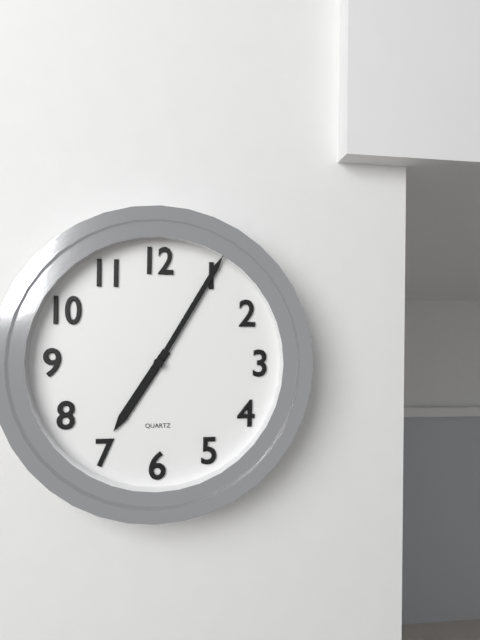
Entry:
7 h 05 min
